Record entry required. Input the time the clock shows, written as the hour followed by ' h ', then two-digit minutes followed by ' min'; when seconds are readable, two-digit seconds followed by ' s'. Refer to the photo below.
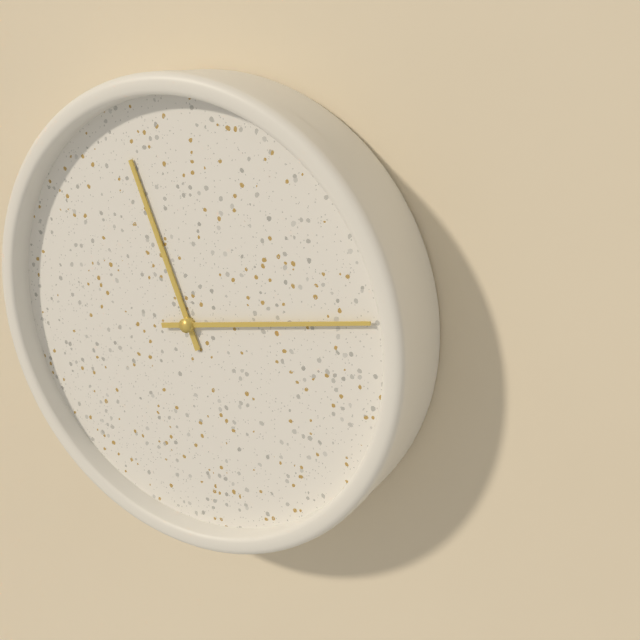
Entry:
11 h 13 min
